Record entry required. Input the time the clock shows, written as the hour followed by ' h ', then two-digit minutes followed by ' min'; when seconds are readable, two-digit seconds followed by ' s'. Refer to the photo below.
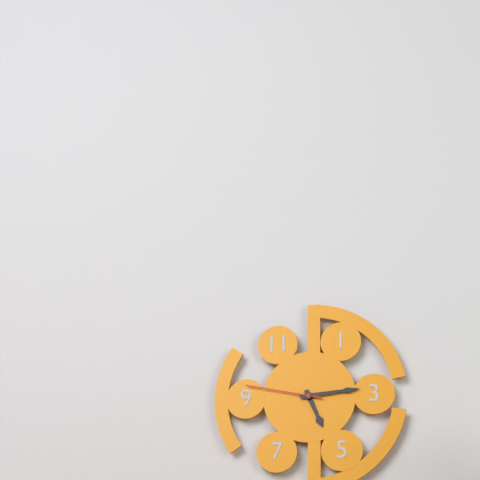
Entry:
5 h 14 min 47 s
